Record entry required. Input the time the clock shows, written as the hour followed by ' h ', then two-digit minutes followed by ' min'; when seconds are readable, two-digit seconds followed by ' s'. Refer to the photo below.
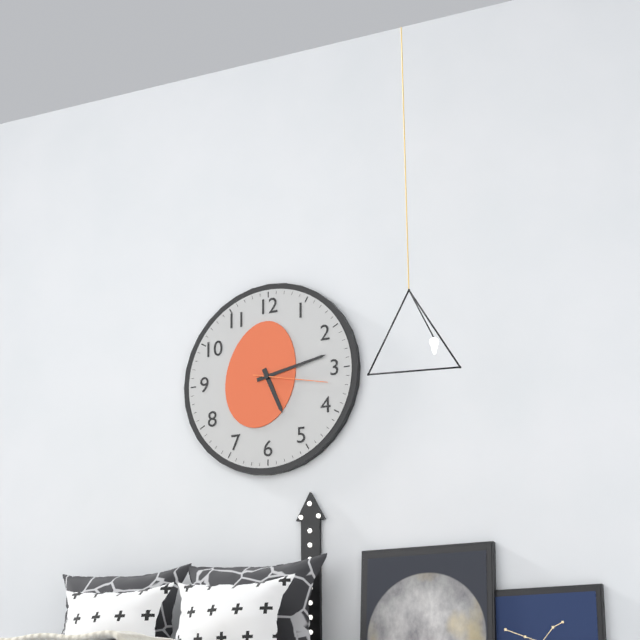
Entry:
5 h 13 min 17 s
